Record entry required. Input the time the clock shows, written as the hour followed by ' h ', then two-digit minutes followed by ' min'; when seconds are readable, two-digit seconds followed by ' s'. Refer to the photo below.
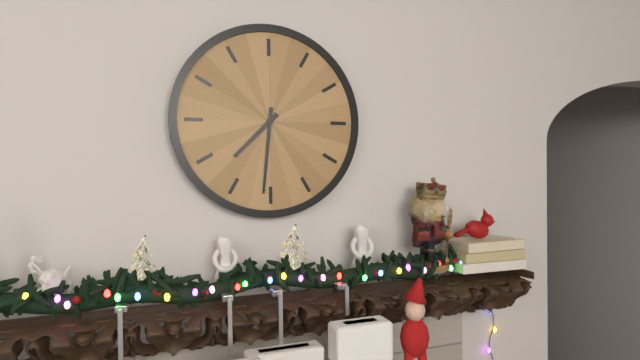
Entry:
7 h 31 min
